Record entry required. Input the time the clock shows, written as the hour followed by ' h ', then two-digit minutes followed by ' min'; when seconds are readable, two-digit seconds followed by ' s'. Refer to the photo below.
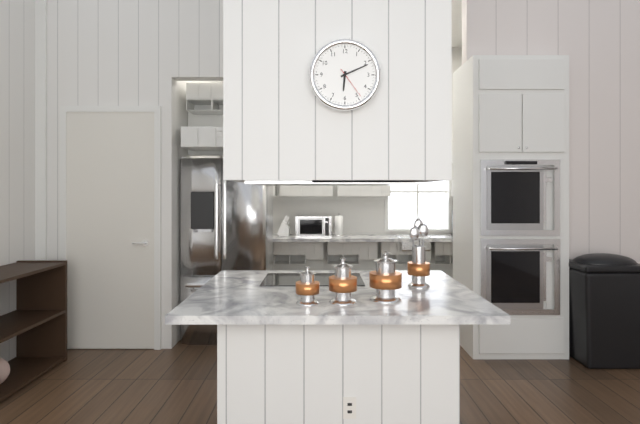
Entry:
6 h 11 min
